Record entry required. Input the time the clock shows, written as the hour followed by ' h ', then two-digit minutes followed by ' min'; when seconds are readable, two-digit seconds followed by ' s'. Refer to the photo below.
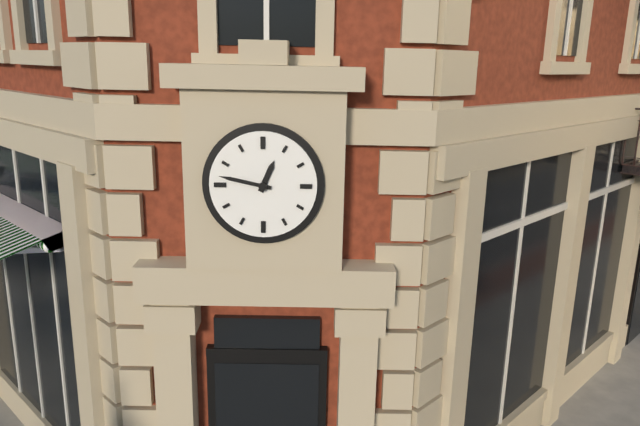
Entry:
12 h 47 min
